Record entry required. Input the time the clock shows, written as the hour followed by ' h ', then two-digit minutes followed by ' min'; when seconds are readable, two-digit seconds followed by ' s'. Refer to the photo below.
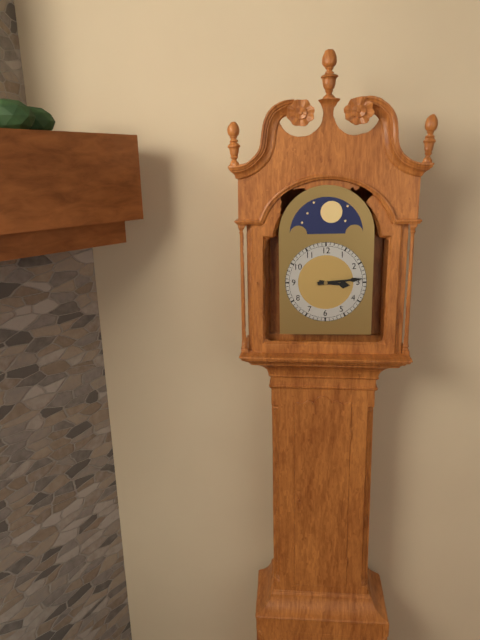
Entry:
3 h 14 min
